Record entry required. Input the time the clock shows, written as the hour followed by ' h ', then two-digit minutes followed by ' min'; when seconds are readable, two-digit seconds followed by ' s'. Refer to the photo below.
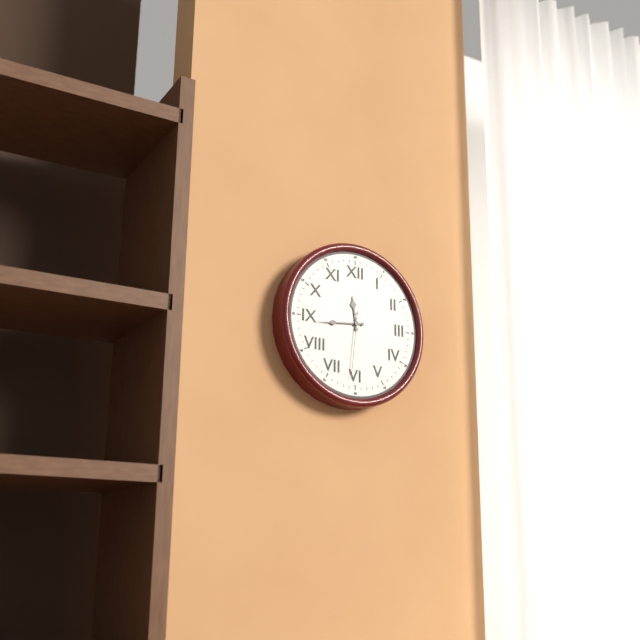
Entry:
11 h 44 min 31 s
